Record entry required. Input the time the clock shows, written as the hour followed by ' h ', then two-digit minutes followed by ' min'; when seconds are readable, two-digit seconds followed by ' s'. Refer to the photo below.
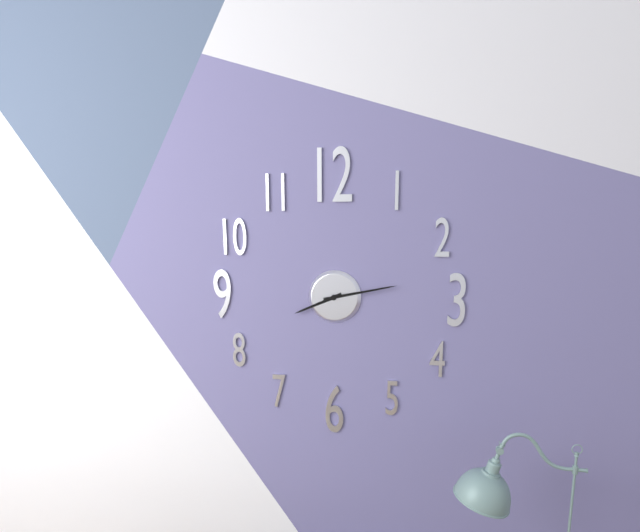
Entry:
8 h 13 min
